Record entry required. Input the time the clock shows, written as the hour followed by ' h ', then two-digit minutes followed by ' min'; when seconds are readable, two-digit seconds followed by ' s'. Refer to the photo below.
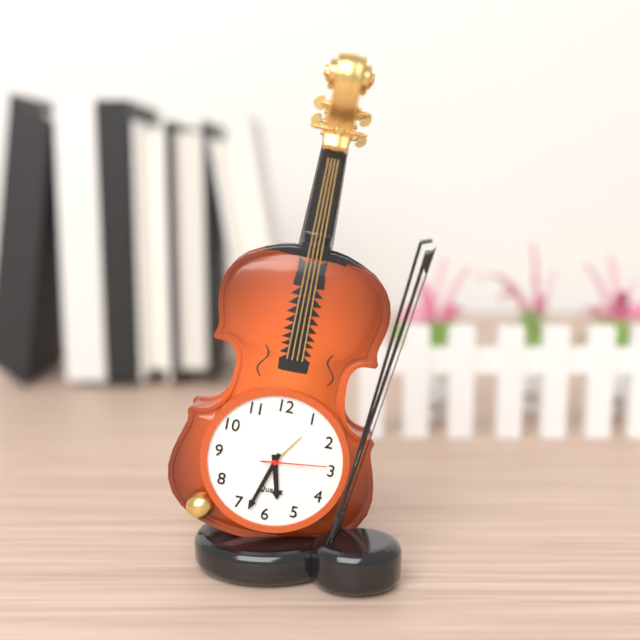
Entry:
5 h 33 min 14 s
